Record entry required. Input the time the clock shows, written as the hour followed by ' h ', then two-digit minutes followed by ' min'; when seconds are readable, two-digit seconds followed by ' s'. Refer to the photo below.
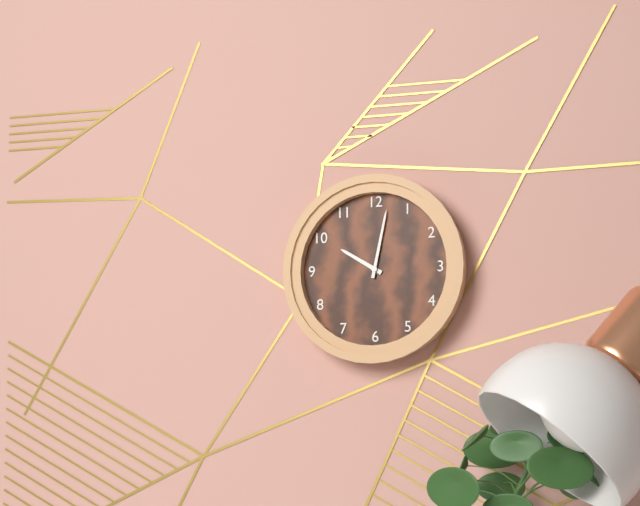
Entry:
10 h 02 min
